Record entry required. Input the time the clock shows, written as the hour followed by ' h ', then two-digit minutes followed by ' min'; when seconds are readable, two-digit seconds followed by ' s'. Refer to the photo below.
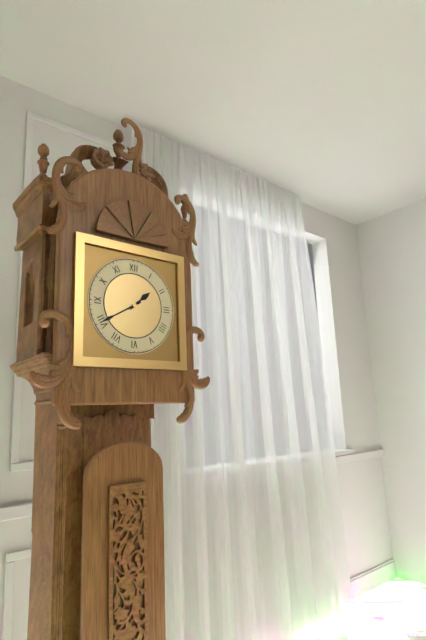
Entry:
1 h 40 min
